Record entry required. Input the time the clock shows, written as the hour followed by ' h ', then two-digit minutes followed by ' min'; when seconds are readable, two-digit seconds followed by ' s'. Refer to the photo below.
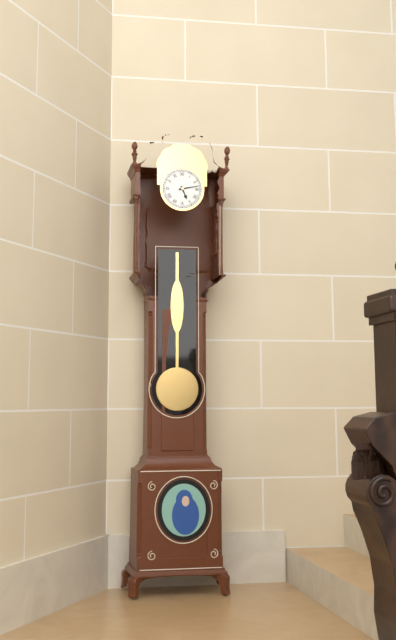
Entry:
5 h 13 min
